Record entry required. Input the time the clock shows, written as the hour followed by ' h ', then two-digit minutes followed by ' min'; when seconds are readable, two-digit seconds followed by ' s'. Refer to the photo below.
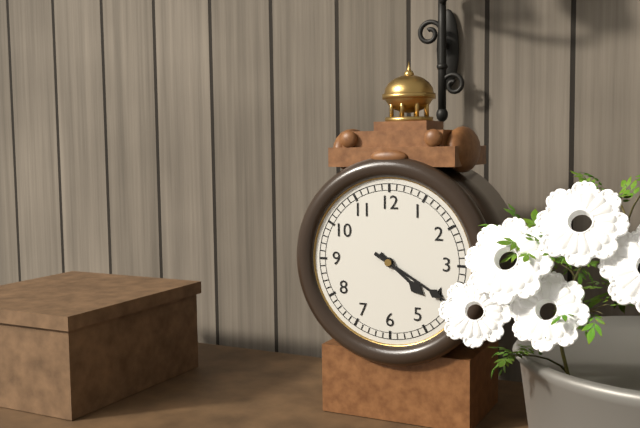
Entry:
4 h 20 min
